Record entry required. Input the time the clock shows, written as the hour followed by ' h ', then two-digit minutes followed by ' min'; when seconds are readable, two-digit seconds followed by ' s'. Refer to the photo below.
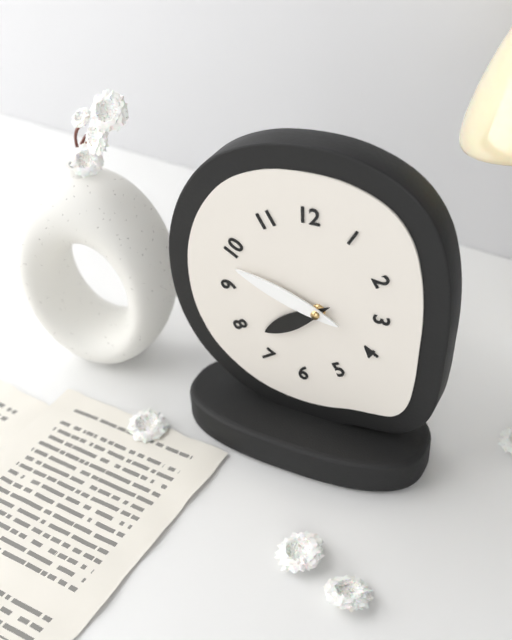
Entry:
7 h 48 min
